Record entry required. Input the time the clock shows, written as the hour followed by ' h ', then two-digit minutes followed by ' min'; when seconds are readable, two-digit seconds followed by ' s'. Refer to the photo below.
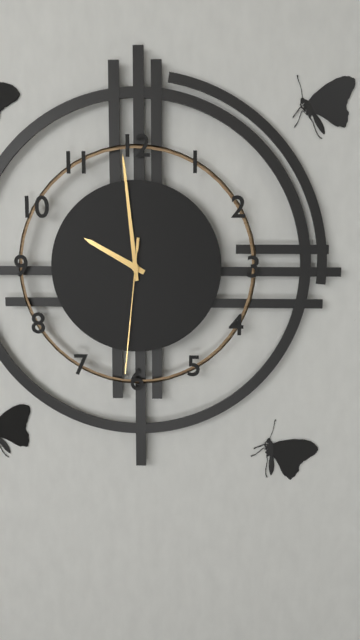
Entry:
9 h 59 min 31 s
